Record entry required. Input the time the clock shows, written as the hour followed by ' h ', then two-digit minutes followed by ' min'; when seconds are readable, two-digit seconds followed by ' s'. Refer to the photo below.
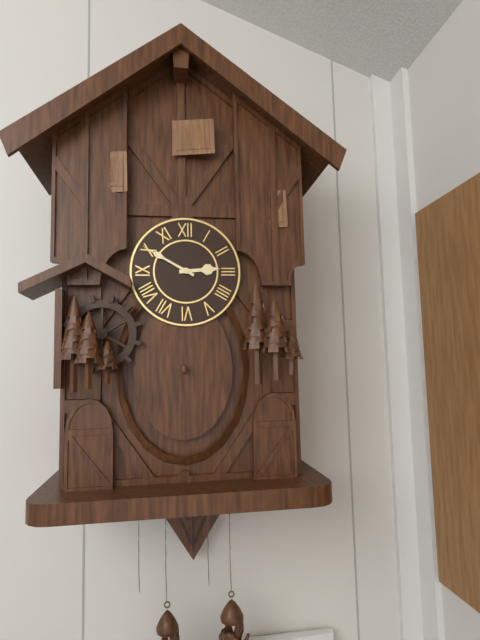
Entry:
2 h 50 min
